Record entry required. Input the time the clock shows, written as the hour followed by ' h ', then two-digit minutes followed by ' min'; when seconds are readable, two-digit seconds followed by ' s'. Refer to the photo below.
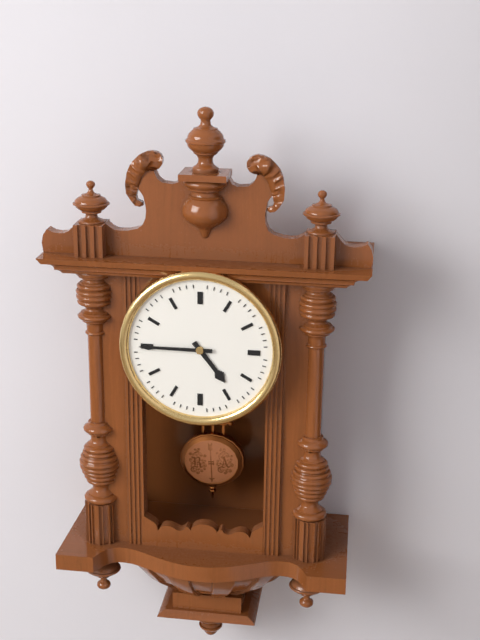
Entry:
4 h 45 min
